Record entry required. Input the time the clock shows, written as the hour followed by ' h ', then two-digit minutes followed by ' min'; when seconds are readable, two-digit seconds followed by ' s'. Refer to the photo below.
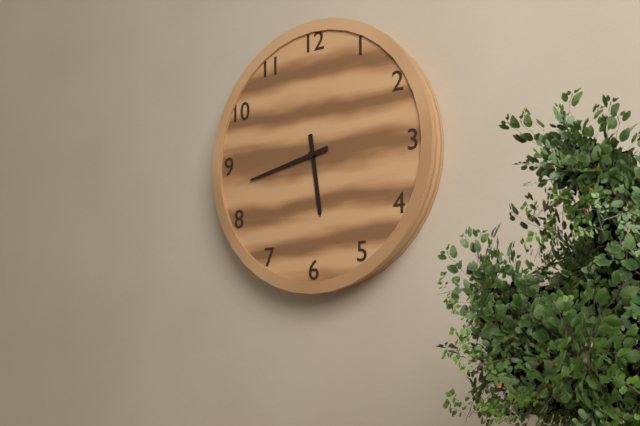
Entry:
5 h 43 min
